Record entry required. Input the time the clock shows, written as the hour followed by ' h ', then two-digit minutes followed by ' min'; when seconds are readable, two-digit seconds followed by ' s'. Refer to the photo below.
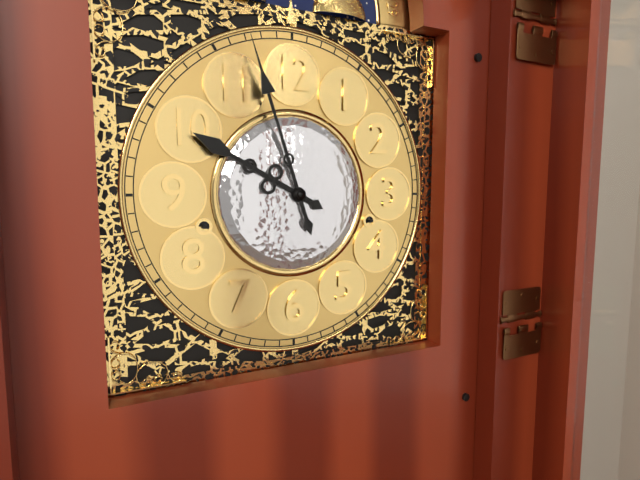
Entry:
9 h 57 min
